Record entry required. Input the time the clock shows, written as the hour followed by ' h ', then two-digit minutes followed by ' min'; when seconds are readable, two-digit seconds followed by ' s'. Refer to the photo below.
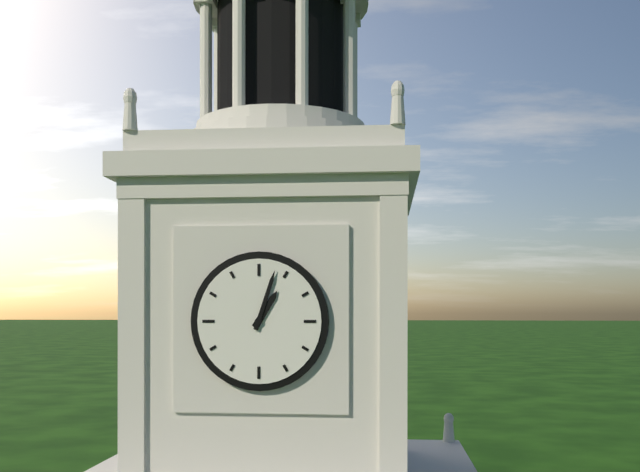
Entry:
1 h 03 min
